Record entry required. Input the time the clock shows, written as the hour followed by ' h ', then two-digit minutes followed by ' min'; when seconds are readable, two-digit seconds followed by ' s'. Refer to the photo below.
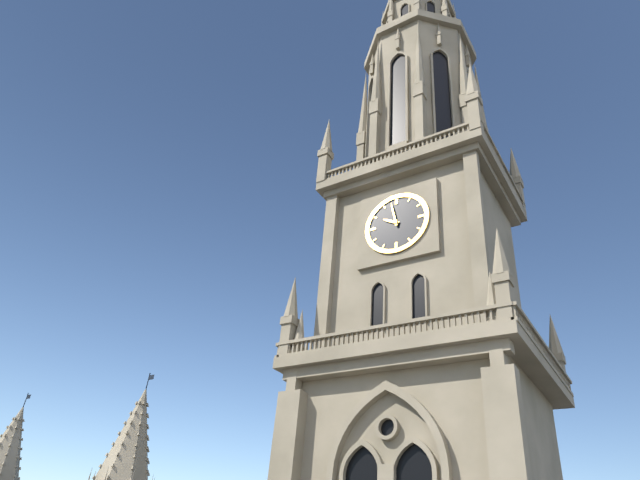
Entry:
9 h 58 min
